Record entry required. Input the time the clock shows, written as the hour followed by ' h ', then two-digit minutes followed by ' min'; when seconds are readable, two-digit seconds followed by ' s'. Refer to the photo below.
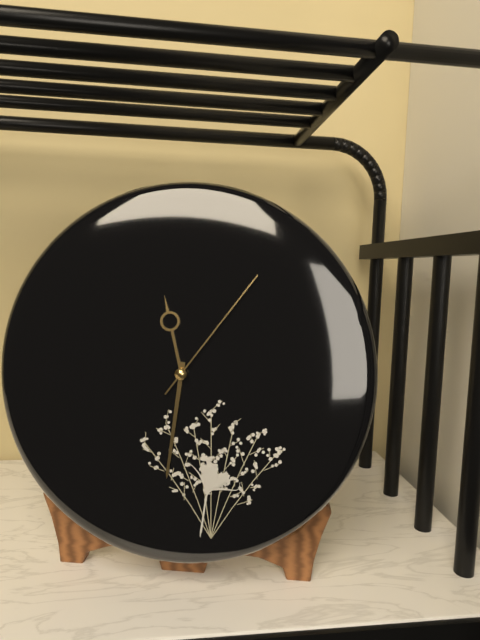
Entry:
11 h 31 min 06 s
